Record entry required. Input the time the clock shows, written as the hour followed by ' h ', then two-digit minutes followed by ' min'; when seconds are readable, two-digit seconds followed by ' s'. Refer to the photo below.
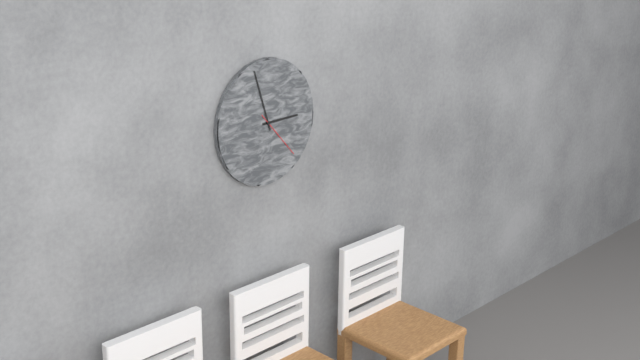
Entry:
2 h 57 min 23 s
